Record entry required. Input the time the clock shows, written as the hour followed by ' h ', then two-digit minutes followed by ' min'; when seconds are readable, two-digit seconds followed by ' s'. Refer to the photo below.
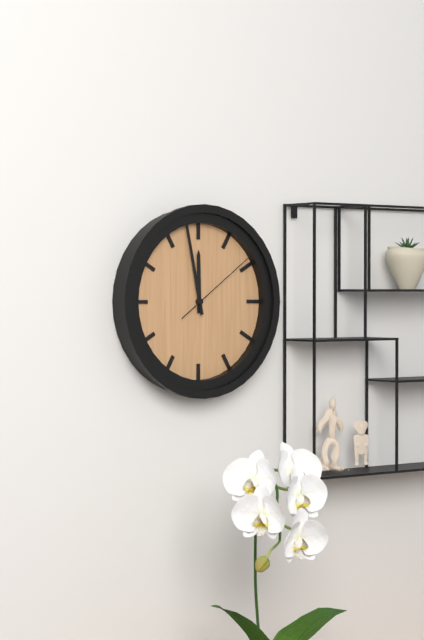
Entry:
11 h 58 min 09 s
